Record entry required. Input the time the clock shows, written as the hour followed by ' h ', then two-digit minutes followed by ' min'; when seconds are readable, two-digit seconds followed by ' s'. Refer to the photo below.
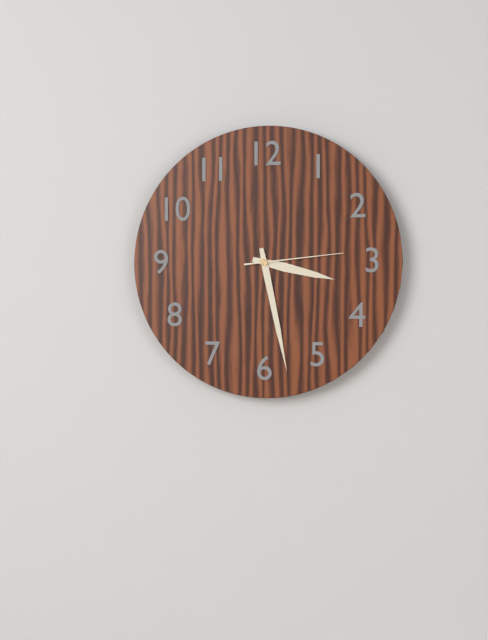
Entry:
3 h 28 min 14 s
